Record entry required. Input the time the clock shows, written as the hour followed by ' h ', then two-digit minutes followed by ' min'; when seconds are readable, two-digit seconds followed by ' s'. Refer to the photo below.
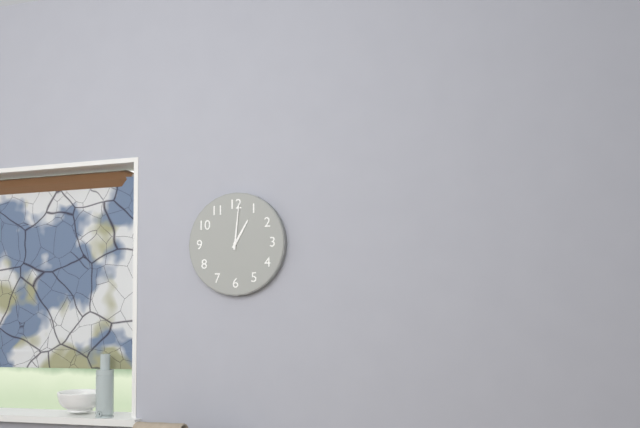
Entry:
1 h 01 min
